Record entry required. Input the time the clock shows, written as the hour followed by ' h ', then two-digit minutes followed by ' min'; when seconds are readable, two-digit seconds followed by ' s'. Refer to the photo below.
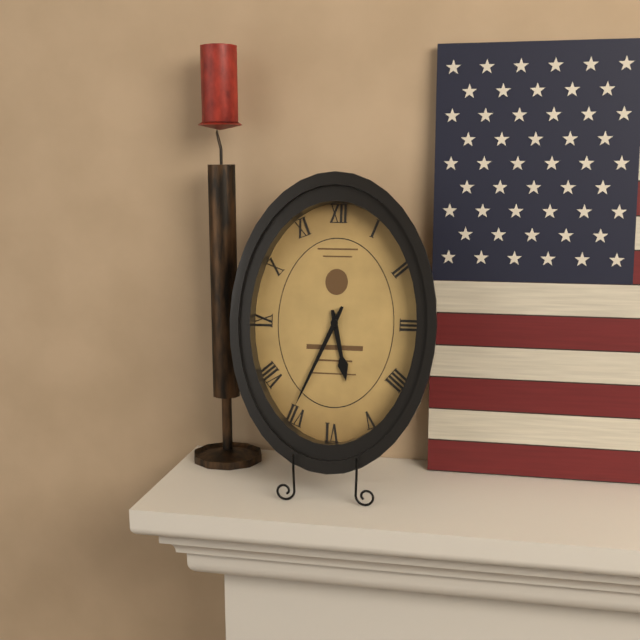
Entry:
5 h 34 min
